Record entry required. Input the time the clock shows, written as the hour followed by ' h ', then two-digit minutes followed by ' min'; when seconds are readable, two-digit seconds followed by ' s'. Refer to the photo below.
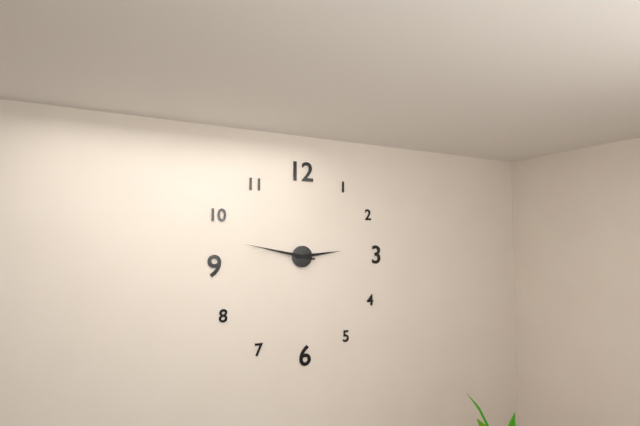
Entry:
2 h 47 min
